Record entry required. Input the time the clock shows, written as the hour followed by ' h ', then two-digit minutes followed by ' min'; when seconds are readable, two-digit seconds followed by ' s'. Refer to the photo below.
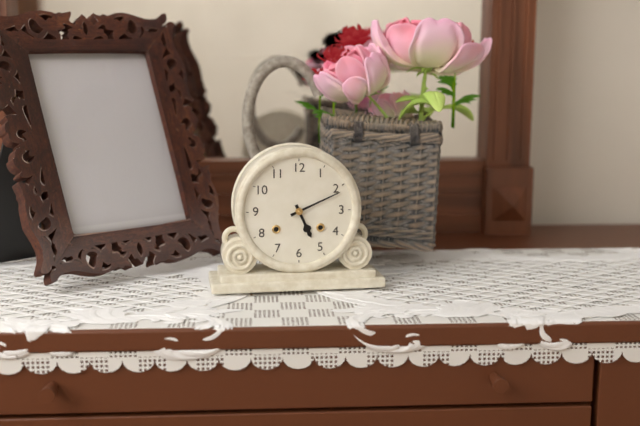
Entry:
5 h 11 min
